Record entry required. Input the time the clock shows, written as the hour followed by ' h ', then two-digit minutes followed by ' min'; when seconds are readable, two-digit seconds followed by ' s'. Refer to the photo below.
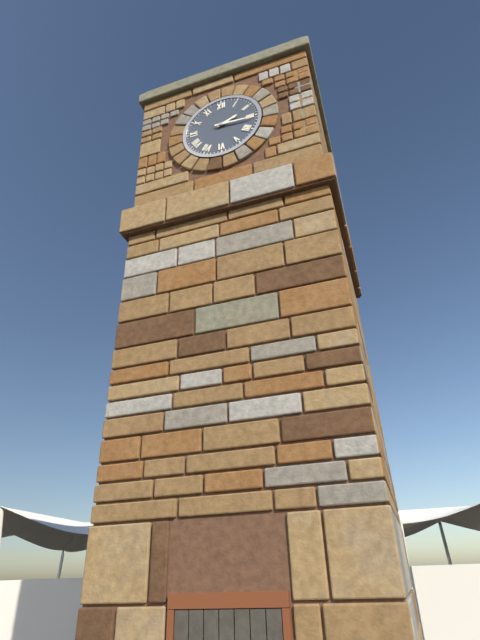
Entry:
2 h 16 min
